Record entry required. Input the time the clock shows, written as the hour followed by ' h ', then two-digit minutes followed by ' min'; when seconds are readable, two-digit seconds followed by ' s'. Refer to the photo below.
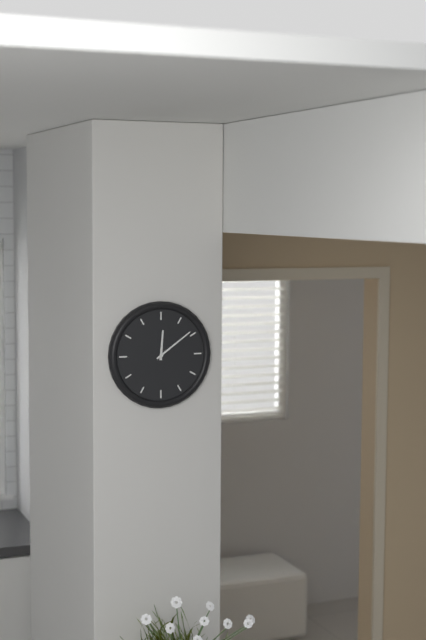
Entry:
12 h 09 min
